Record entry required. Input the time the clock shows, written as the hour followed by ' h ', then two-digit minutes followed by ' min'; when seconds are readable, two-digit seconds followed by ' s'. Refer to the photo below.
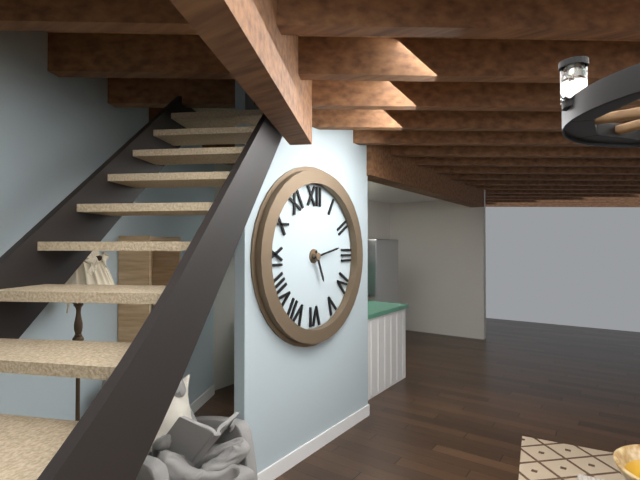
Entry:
5 h 13 min
